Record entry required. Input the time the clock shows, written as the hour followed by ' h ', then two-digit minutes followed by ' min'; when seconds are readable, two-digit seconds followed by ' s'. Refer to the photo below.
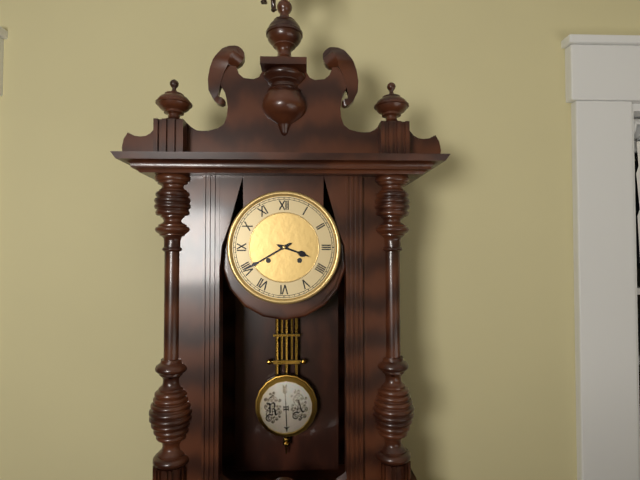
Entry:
3 h 40 min
